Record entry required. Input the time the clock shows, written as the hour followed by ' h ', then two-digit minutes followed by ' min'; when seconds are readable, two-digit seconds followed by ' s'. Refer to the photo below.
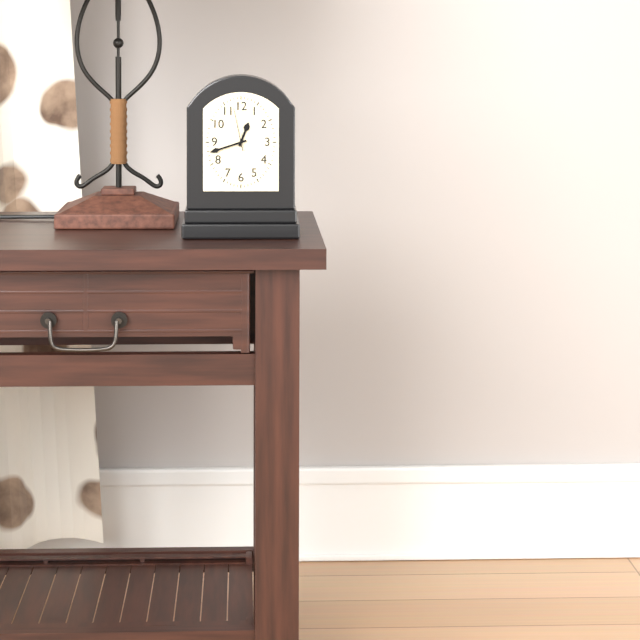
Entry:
12 h 42 min
